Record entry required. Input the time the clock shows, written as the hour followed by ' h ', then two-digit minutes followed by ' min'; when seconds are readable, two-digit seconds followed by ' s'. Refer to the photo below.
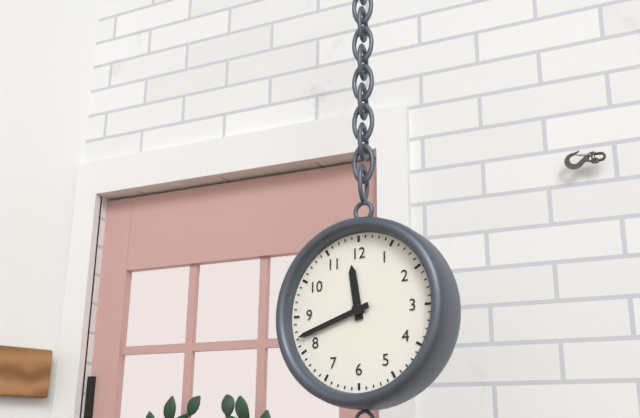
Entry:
11 h 42 min
